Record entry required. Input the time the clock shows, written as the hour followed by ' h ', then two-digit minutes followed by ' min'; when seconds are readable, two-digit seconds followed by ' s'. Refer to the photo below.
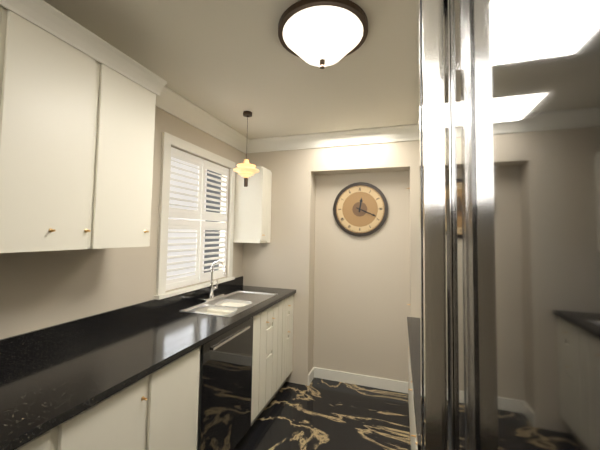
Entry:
12 h 19 min
